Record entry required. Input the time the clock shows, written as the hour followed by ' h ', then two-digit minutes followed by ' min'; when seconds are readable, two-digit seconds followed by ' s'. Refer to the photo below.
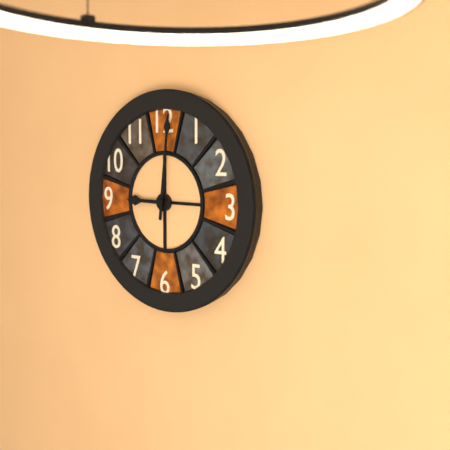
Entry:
9 h 01 min
